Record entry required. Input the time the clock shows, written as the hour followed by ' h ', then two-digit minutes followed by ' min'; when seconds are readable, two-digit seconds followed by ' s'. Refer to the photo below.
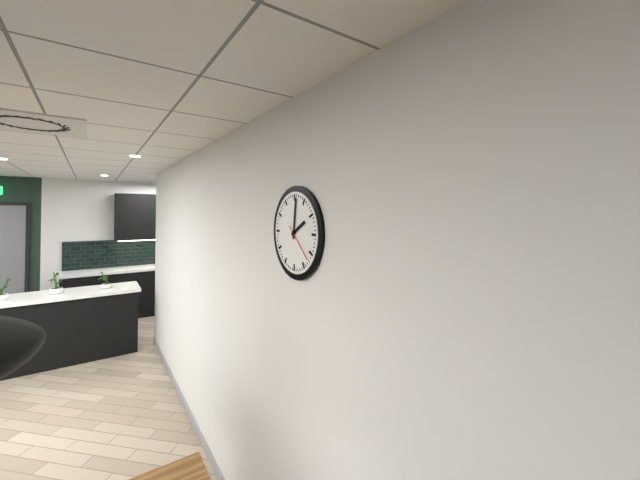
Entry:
2 h 01 min
